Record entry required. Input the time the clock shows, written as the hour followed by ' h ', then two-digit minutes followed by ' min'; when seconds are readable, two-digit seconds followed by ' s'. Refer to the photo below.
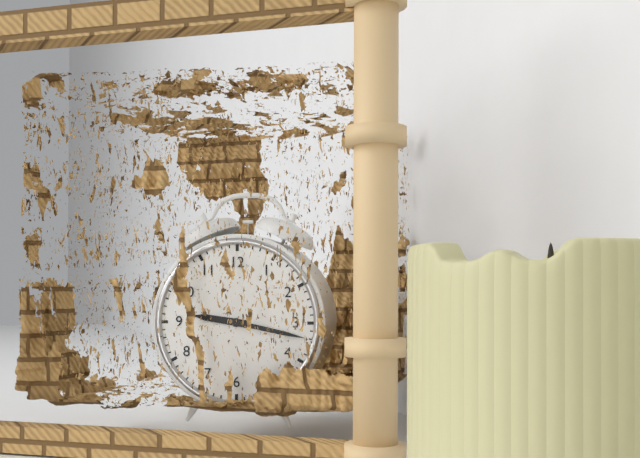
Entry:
9 h 17 min
